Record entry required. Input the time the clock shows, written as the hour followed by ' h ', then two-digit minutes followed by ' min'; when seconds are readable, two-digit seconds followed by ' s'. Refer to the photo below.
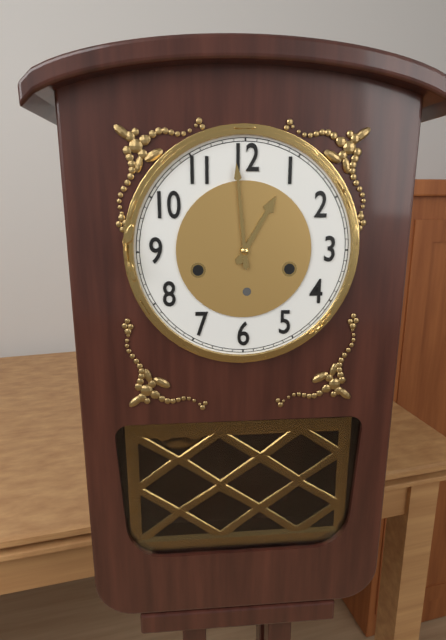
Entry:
12 h 59 min
